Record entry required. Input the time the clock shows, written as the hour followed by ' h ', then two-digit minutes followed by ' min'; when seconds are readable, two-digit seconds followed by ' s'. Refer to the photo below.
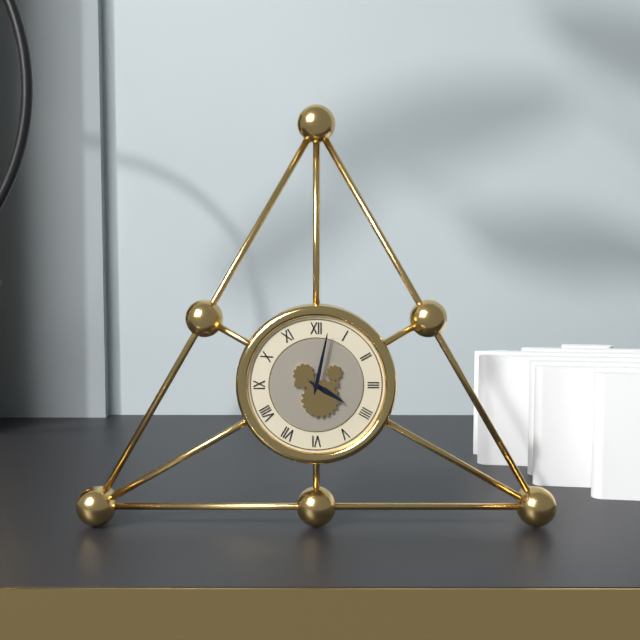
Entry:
4 h 02 min
